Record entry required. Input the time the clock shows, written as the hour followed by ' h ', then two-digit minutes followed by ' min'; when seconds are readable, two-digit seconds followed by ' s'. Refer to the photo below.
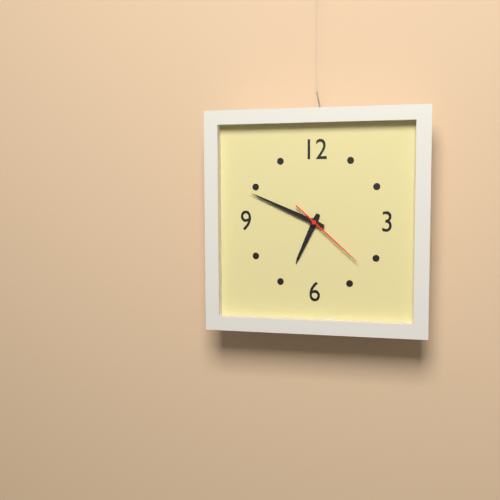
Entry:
6 h 49 min 22 s
